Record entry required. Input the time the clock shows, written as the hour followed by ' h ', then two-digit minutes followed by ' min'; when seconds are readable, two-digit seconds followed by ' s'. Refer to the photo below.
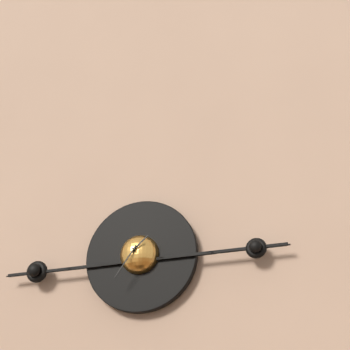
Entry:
1 h 36 min
